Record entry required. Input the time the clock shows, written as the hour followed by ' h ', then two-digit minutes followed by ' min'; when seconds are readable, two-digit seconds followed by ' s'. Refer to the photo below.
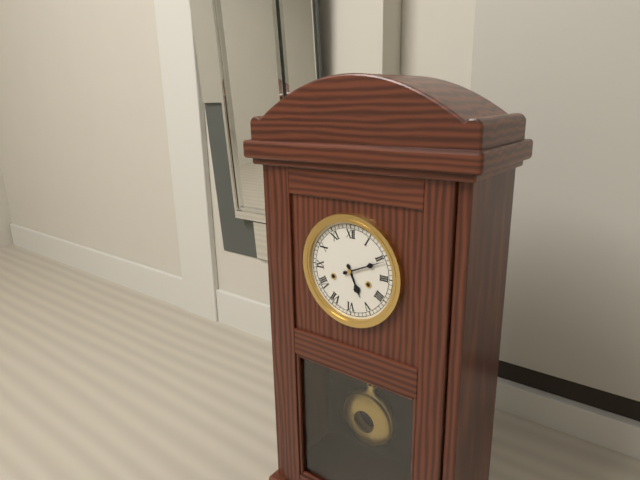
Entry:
5 h 11 min
